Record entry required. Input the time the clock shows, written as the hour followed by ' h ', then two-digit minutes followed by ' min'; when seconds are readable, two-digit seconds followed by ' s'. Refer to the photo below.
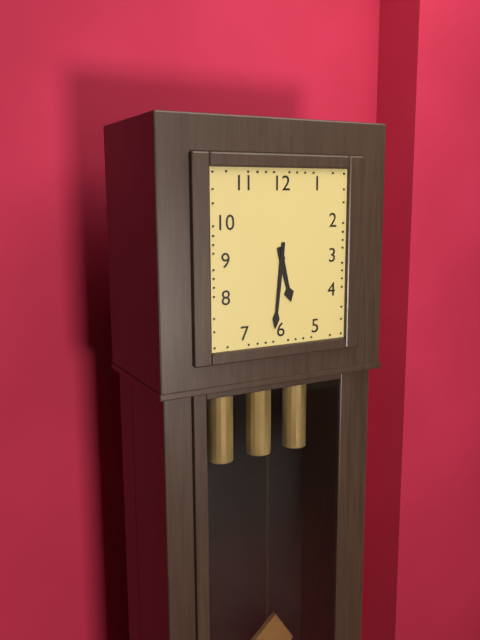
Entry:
5 h 31 min
